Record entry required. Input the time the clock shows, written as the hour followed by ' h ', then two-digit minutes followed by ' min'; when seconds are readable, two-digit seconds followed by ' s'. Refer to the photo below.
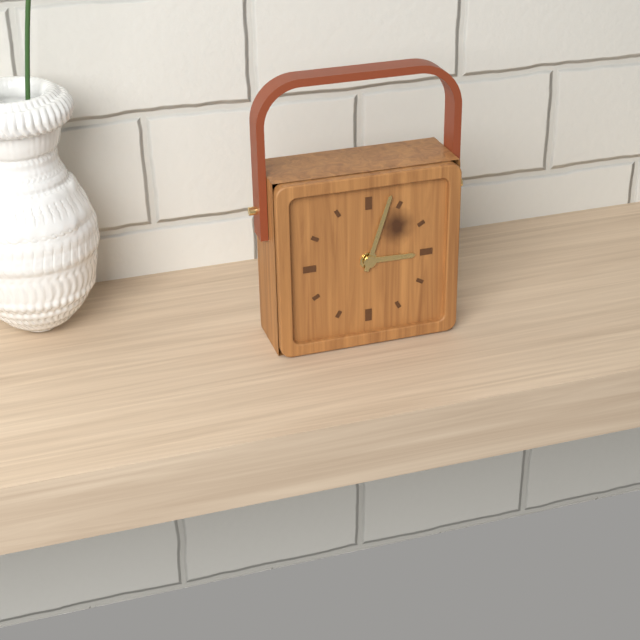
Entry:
3 h 03 min
